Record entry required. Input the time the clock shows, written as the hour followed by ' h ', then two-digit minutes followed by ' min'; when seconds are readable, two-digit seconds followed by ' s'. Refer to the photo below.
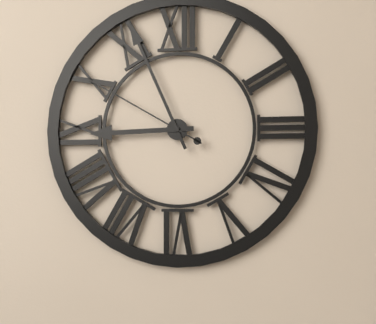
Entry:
8 h 56 min 50 s
